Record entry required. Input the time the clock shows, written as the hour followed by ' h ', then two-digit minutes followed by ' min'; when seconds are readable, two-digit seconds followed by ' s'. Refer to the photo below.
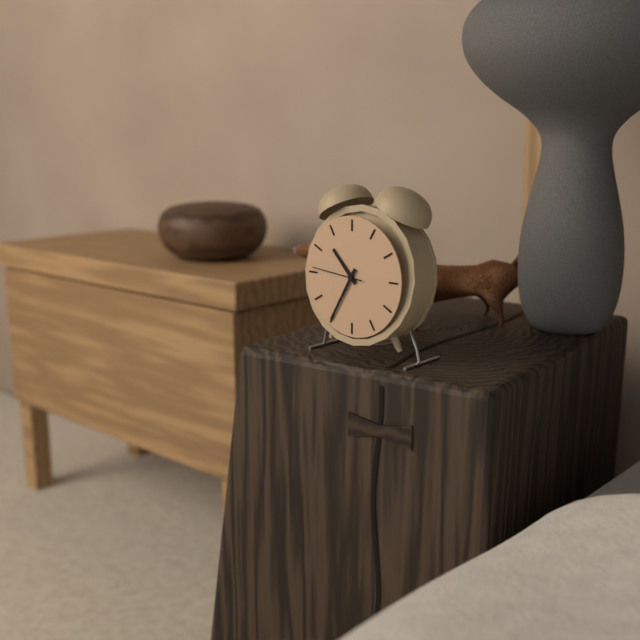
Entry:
10 h 35 min 46 s
